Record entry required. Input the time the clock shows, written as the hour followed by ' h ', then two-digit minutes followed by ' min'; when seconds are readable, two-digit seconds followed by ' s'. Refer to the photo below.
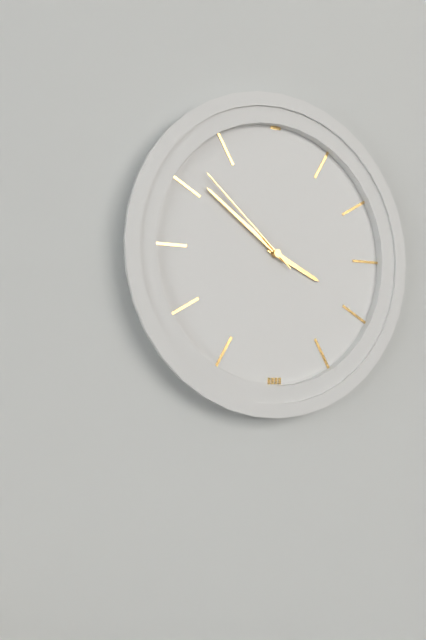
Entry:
3 h 51 min 52 s
